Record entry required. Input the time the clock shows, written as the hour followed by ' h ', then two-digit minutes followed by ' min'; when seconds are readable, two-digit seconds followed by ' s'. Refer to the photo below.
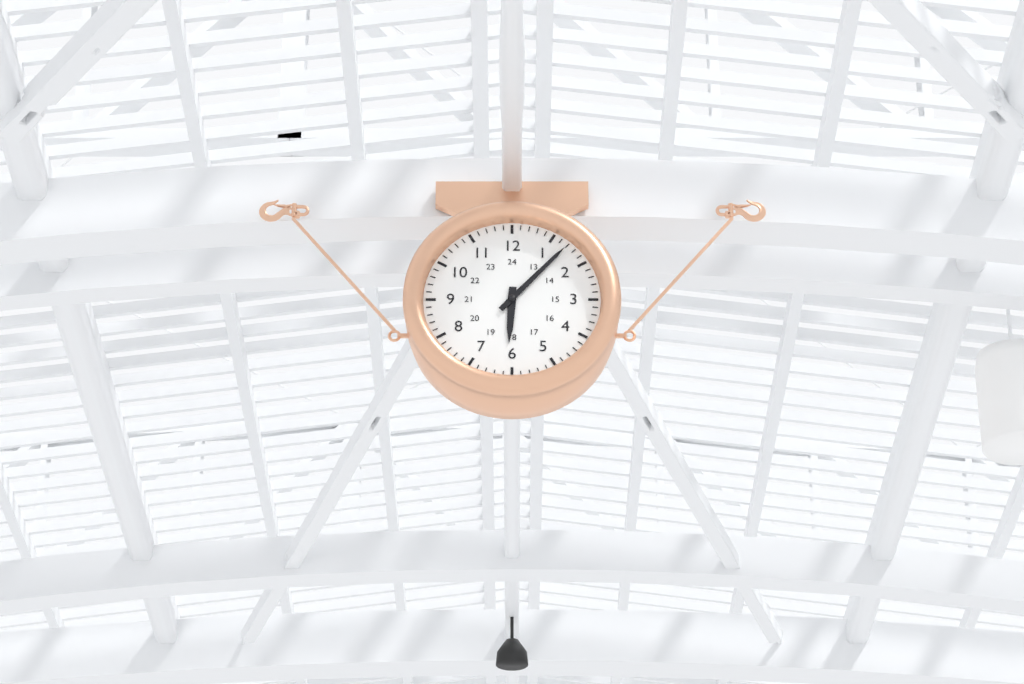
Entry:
6 h 07 min
